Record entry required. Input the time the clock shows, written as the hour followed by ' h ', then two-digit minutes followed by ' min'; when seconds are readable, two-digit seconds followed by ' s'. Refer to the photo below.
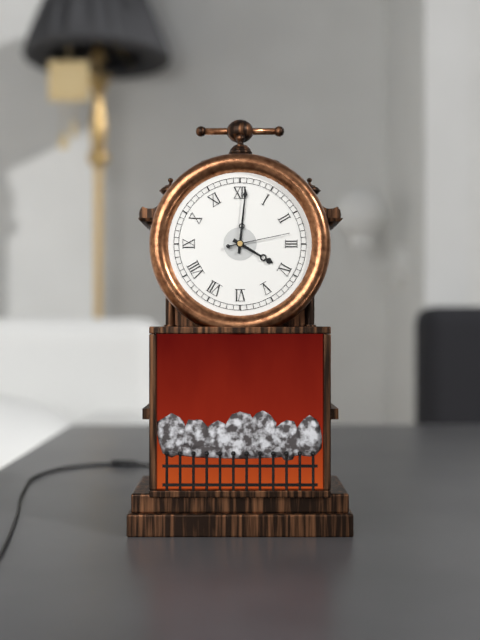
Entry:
4 h 01 min 13 s
